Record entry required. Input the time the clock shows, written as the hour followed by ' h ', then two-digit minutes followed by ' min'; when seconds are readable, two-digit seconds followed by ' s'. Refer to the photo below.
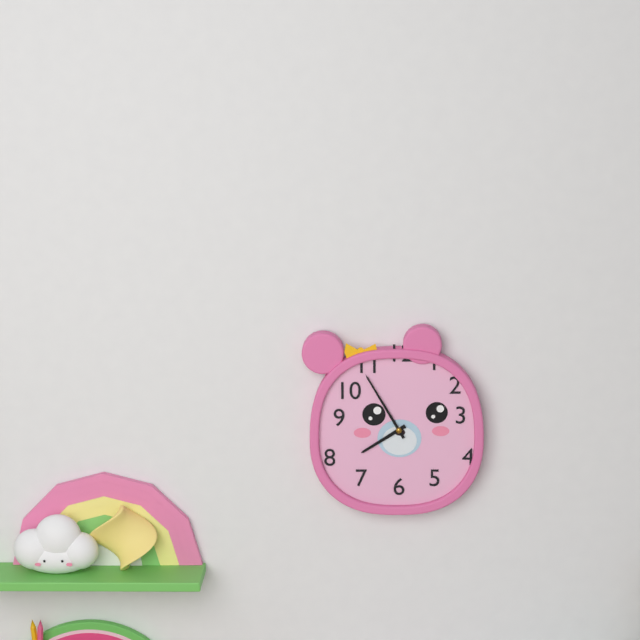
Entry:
7 h 55 min
